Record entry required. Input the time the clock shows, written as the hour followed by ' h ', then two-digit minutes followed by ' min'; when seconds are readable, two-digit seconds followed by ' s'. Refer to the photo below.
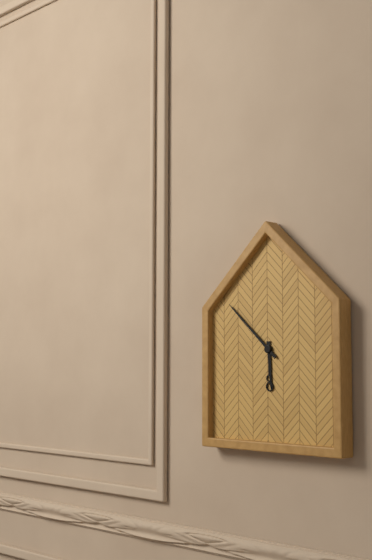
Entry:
5 h 52 min
